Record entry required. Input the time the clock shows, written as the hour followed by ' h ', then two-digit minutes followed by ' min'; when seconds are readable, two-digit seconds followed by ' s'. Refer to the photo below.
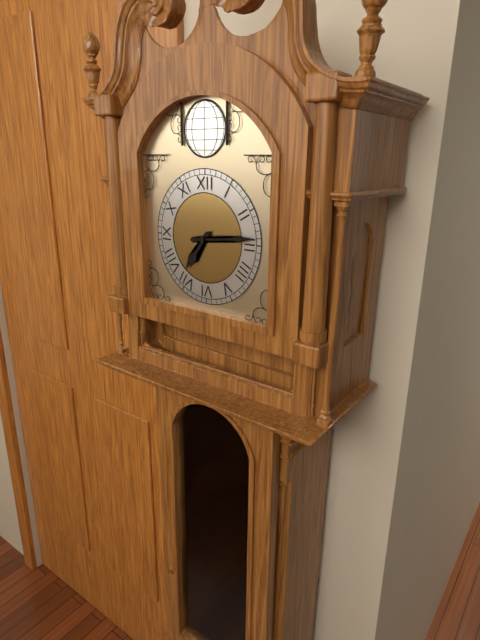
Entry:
7 h 14 min
